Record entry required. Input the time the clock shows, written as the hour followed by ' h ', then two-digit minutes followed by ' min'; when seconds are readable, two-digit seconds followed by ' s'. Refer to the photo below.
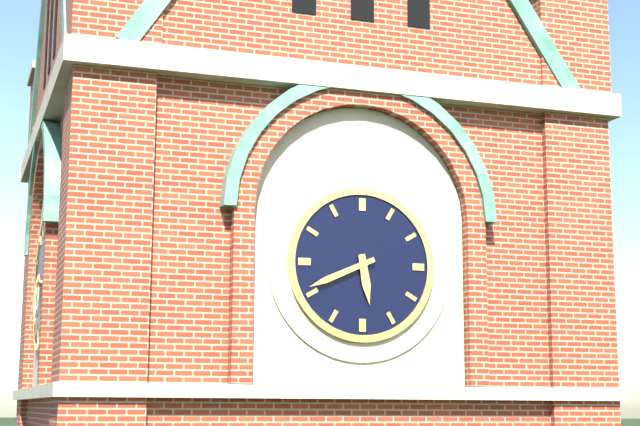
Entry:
5 h 41 min
